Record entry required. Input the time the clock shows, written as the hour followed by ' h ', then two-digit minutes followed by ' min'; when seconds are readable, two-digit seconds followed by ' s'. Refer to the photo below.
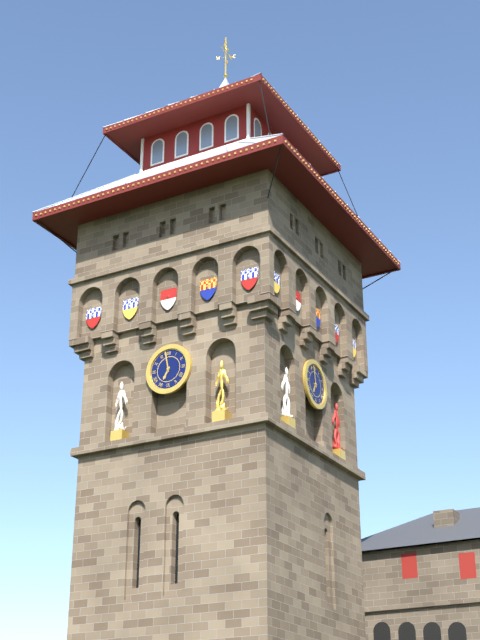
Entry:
6 h 58 min
